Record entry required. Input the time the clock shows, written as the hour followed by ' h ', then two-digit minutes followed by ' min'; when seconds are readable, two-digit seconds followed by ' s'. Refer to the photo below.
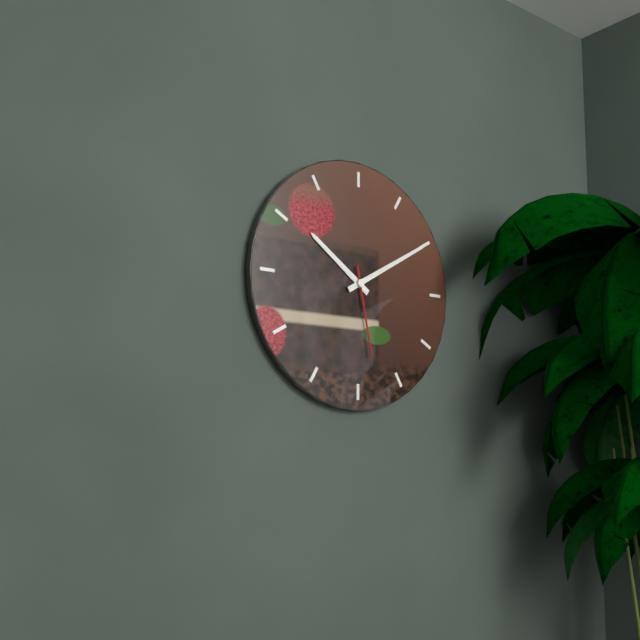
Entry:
10 h 10 min 28 s
